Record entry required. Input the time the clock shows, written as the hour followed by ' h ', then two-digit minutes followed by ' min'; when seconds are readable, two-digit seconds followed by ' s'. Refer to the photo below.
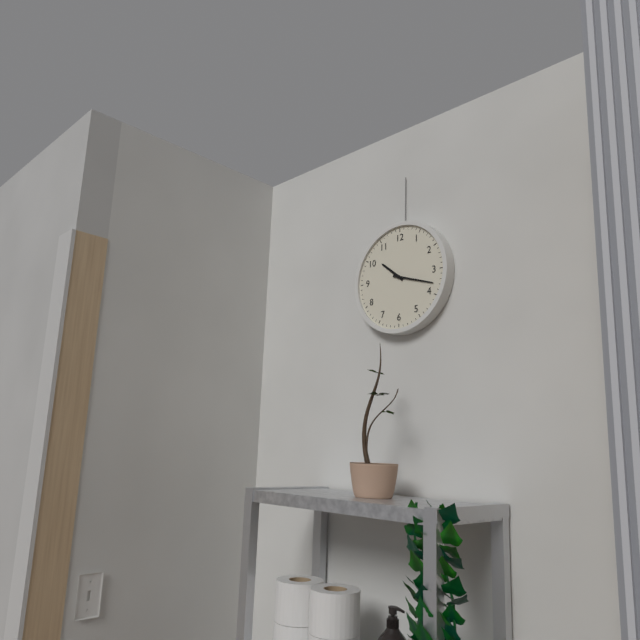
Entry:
10 h 18 min
